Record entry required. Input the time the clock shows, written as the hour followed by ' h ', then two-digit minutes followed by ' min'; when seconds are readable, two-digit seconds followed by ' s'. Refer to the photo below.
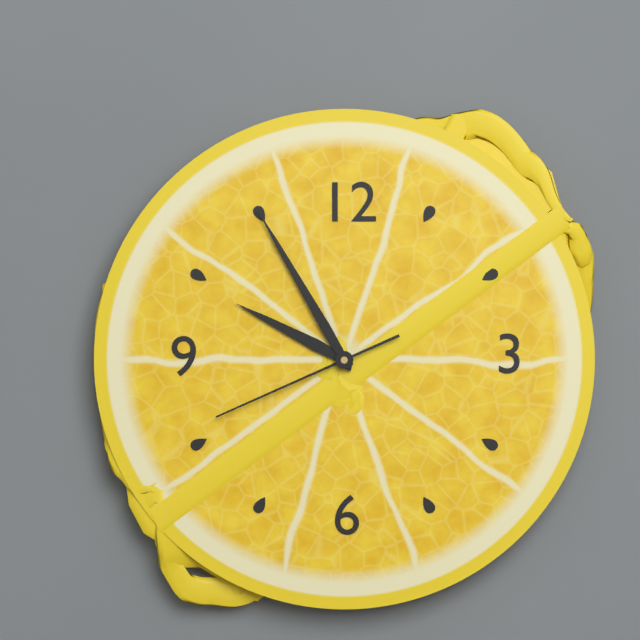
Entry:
9 h 55 min 41 s
